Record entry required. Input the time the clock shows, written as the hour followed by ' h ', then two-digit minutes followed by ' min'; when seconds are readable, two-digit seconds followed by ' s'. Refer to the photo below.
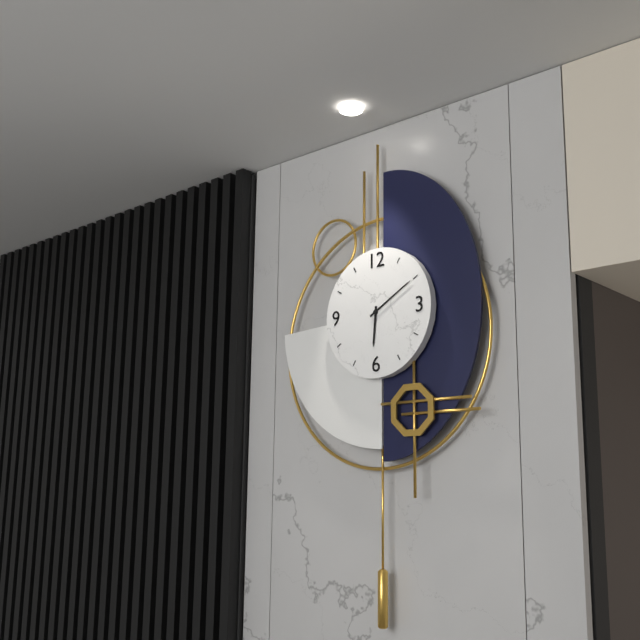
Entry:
6 h 10 min
